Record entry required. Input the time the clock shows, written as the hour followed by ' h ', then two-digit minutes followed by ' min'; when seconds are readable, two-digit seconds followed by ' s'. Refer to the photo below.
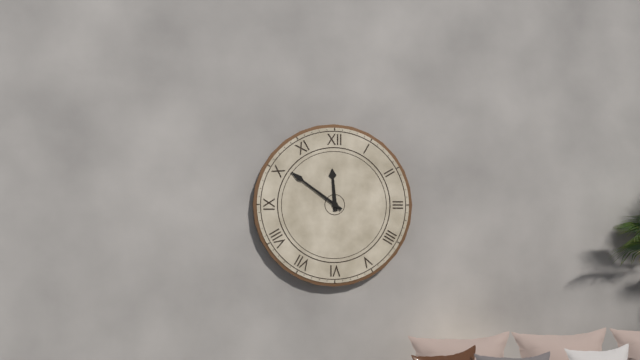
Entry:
11 h 51 min
